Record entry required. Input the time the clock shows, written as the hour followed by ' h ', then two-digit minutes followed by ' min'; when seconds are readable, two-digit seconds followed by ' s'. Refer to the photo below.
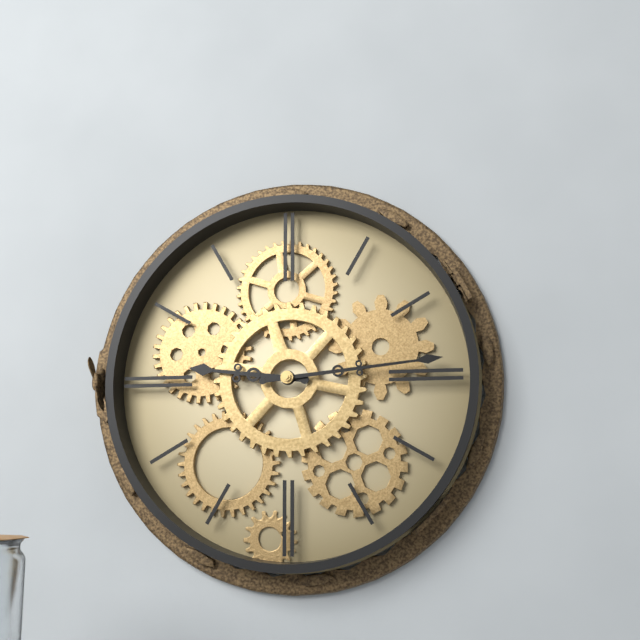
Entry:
9 h 14 min
